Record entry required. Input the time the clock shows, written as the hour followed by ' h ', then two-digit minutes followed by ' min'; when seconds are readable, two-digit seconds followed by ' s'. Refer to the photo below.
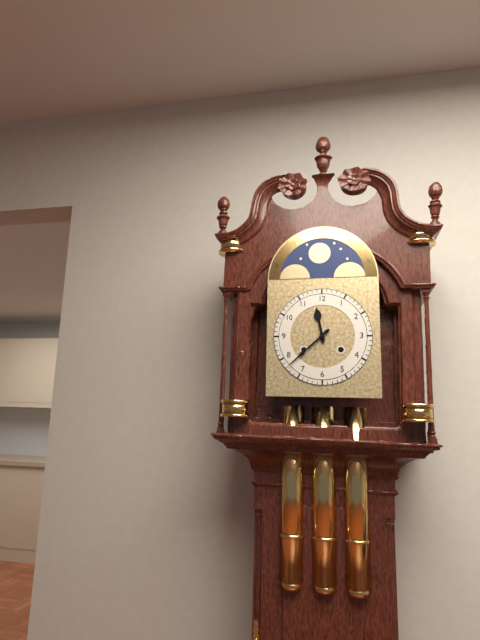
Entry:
11 h 38 min
